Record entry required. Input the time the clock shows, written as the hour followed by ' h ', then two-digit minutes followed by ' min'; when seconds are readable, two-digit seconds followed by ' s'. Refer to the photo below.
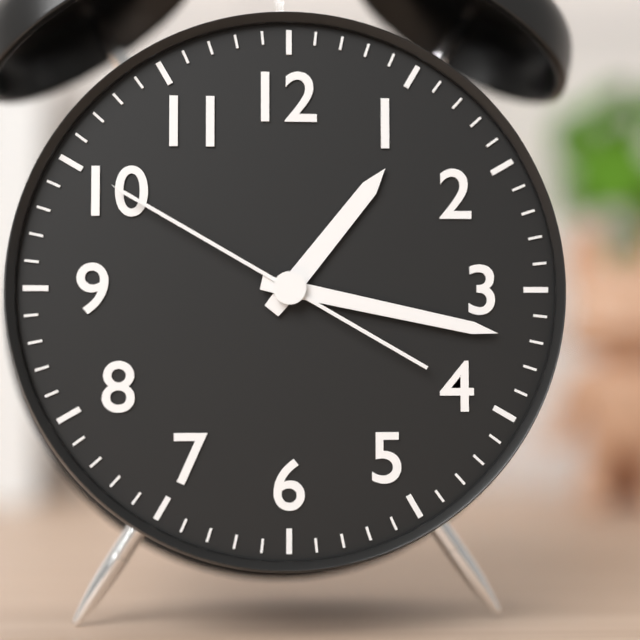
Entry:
1 h 17 min 50 s
